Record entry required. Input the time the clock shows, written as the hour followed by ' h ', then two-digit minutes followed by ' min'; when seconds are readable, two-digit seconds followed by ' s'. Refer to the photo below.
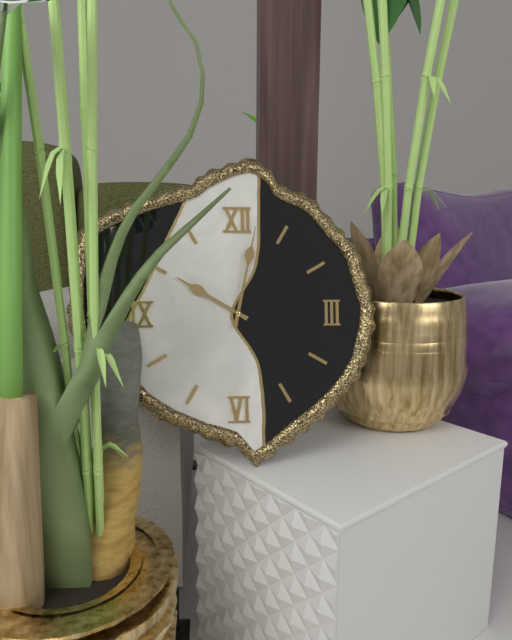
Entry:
10 h 02 min
